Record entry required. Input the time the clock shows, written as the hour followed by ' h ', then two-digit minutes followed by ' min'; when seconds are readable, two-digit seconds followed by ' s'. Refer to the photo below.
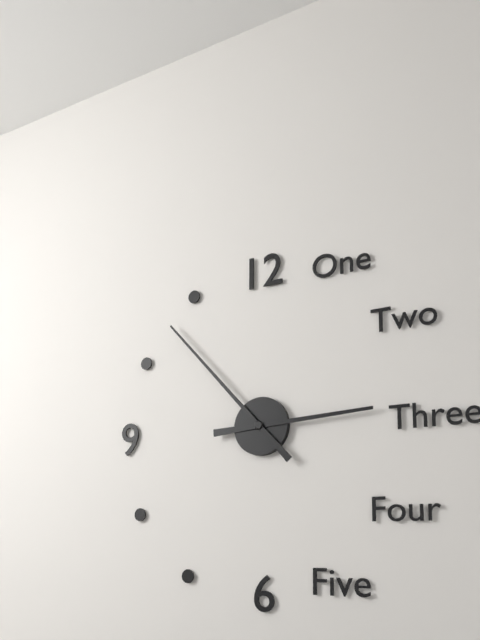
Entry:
2 h 53 min
